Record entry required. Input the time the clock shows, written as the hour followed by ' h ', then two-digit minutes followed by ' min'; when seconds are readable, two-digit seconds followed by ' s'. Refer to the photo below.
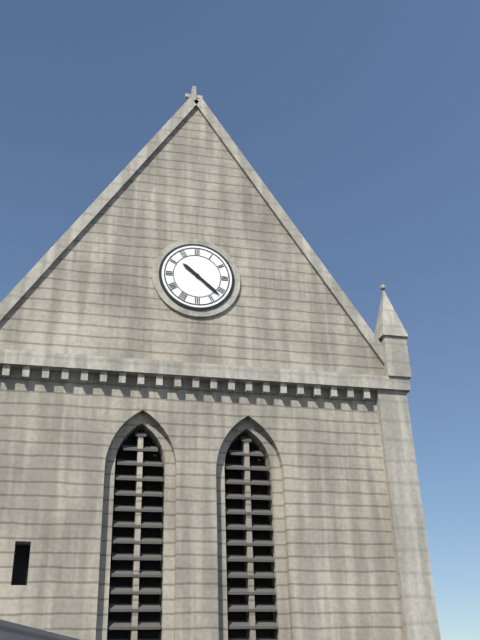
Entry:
10 h 22 min
